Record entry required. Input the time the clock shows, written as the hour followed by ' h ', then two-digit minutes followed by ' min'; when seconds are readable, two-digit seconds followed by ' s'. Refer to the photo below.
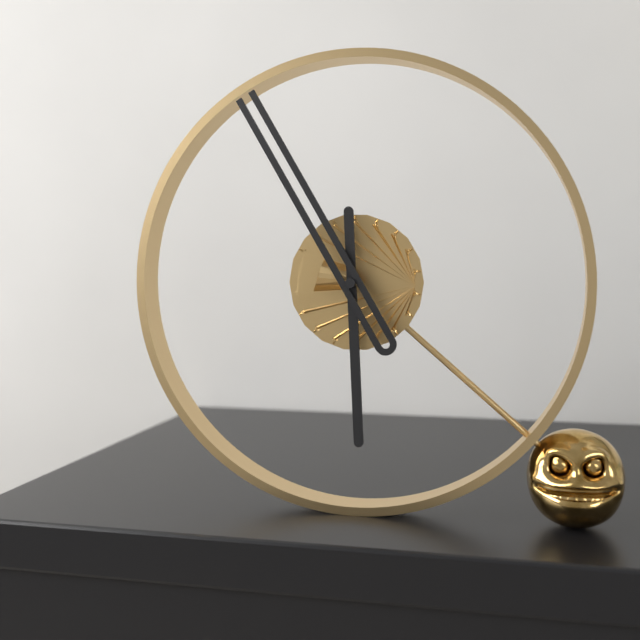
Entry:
5 h 55 min
